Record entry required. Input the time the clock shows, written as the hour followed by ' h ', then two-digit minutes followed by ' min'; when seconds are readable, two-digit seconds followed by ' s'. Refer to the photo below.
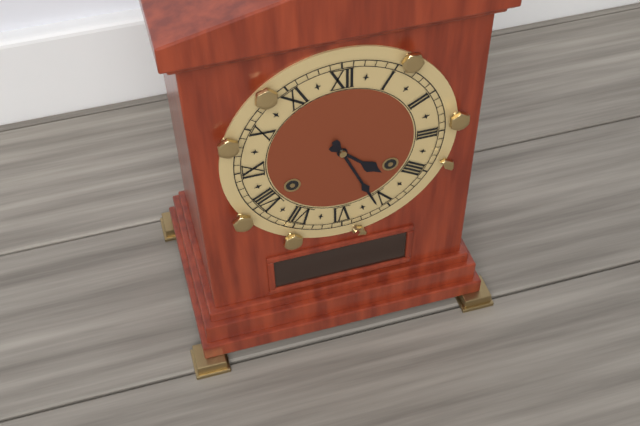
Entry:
4 h 26 min
